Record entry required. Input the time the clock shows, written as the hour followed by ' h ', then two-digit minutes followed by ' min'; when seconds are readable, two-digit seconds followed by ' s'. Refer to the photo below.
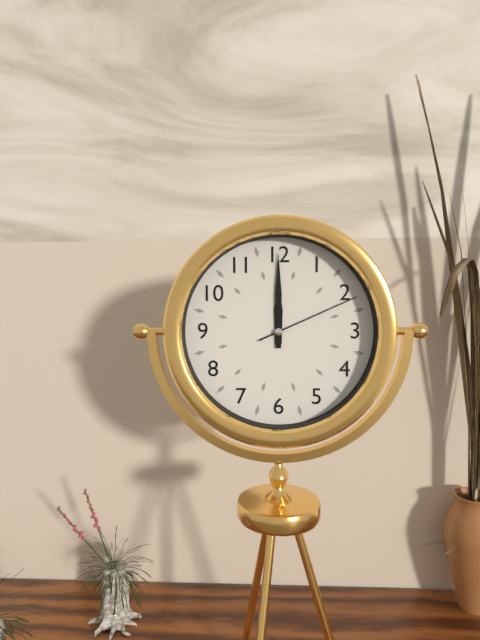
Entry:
12 h 00 min 11 s
